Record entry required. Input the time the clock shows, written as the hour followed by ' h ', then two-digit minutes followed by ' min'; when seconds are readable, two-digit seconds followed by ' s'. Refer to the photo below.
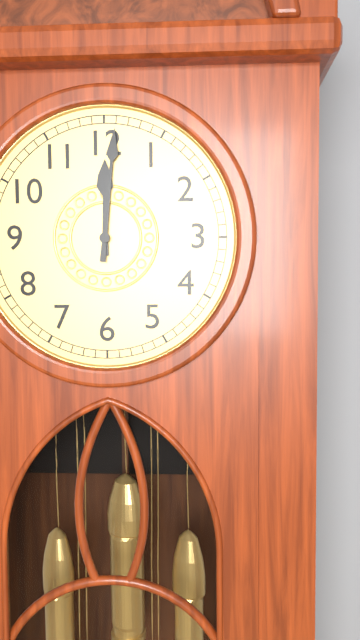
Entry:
12 h 01 min
